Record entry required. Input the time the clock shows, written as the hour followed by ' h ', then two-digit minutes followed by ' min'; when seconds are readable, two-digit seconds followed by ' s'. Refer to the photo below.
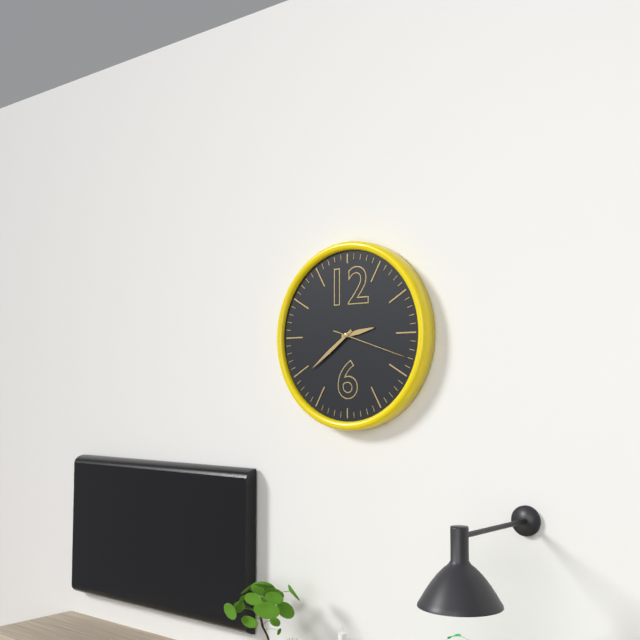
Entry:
2 h 39 min 18 s
